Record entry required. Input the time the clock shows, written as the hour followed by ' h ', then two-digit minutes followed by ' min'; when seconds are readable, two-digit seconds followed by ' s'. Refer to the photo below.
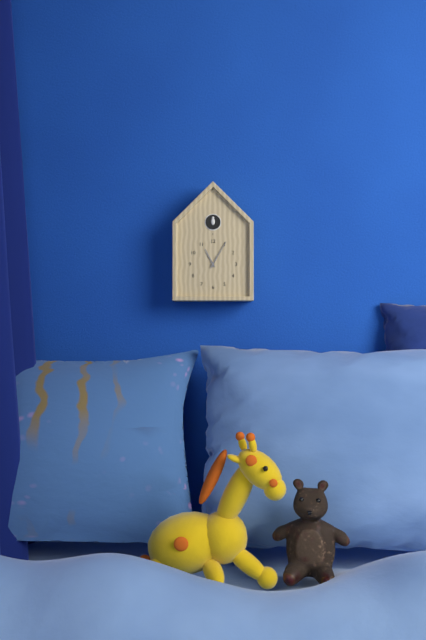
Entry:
11 h 05 min
